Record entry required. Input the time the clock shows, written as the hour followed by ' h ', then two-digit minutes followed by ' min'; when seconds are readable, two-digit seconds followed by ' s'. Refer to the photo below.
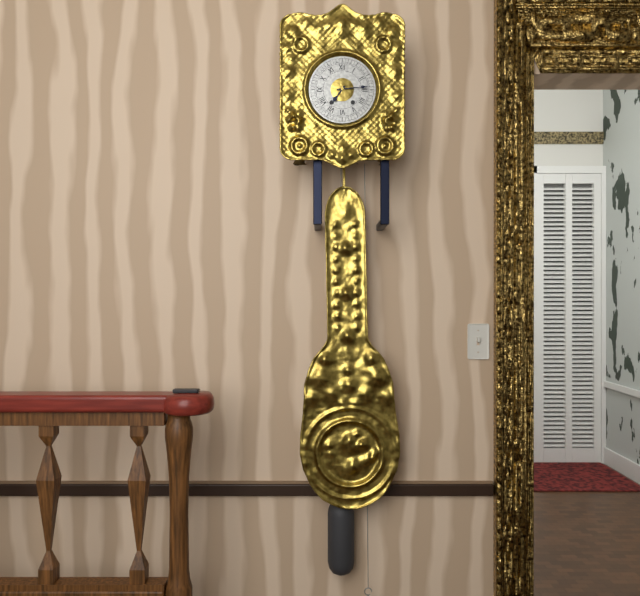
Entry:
7 h 14 min
